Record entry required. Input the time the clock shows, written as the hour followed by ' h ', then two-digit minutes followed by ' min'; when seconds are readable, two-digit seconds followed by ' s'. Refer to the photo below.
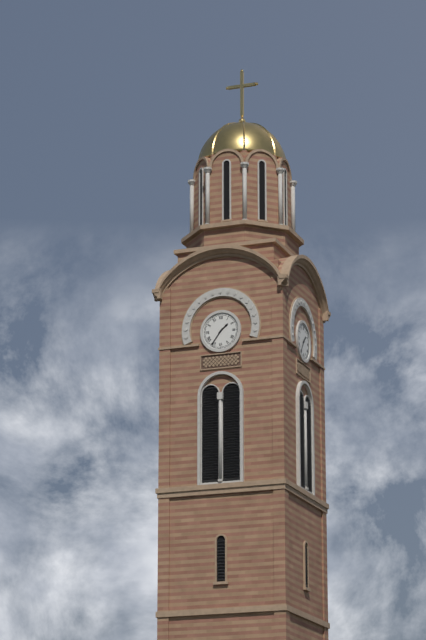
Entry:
1 h 36 min
